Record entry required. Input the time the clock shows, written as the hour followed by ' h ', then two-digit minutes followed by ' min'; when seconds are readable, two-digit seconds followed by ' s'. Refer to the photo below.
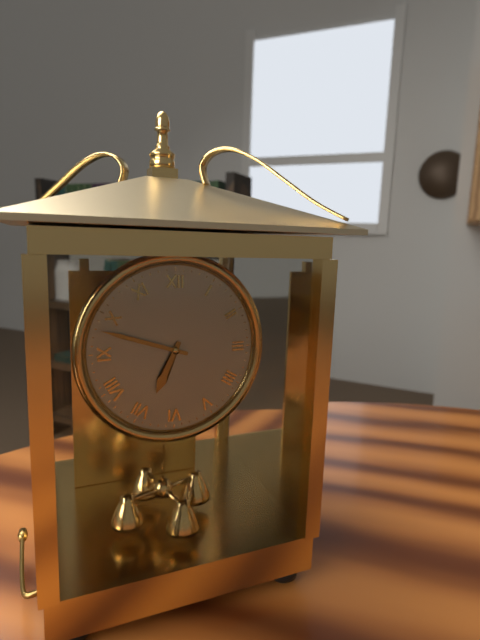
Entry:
6 h 48 min
